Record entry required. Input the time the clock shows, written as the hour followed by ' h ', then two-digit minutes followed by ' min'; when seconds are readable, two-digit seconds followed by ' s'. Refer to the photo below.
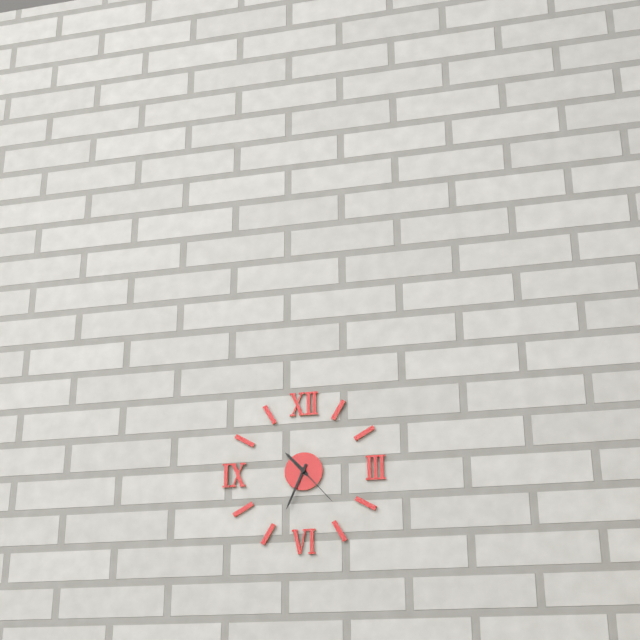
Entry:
10 h 34 min 23 s
